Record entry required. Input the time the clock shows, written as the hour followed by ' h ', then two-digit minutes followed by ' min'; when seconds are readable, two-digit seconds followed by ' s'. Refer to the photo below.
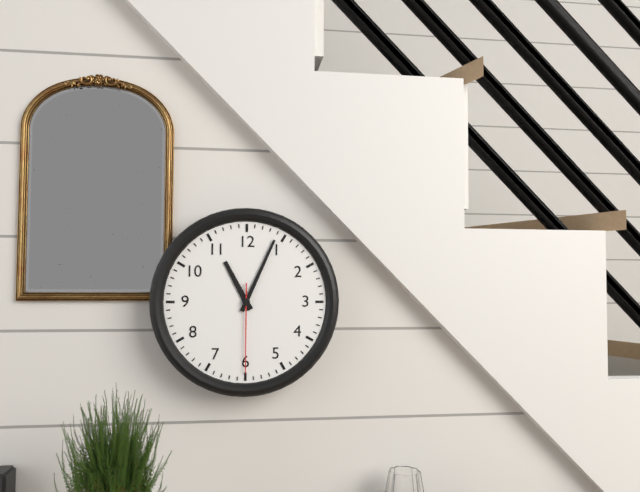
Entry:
11 h 04 min 30 s
